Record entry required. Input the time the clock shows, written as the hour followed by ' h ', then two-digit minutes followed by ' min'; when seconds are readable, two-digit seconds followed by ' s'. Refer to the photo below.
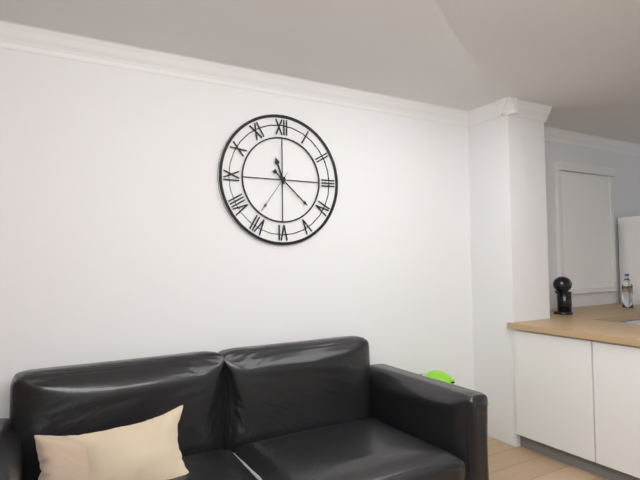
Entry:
11 h 22 min
